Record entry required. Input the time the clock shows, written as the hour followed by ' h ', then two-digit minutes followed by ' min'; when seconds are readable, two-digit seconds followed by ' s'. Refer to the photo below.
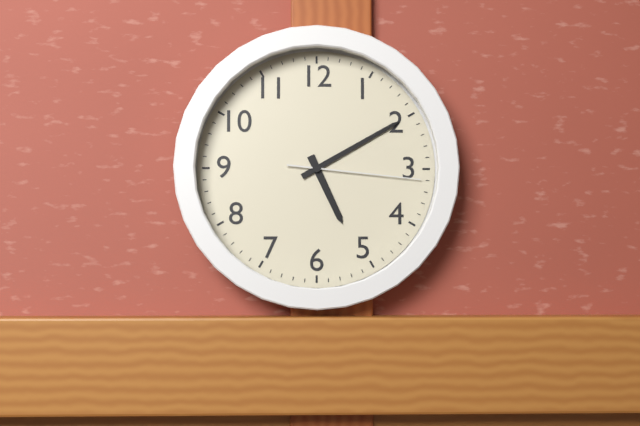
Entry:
5 h 10 min 16 s
